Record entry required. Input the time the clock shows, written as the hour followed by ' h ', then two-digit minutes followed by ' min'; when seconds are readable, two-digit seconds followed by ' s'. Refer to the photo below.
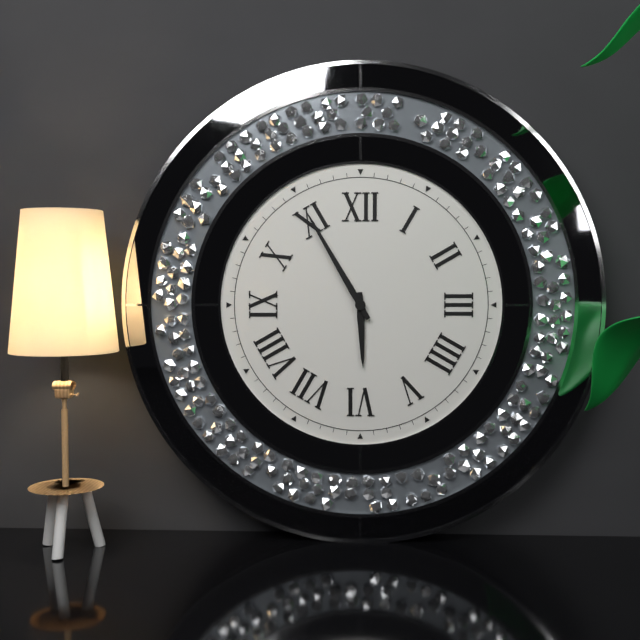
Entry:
5 h 55 min
